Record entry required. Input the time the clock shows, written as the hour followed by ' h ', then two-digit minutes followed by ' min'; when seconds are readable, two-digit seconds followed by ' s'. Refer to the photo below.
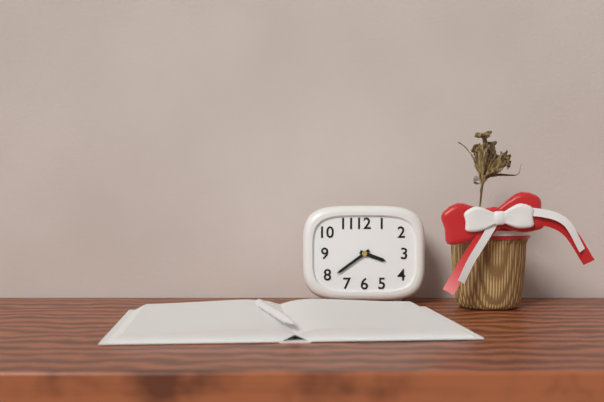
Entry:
3 h 39 min
